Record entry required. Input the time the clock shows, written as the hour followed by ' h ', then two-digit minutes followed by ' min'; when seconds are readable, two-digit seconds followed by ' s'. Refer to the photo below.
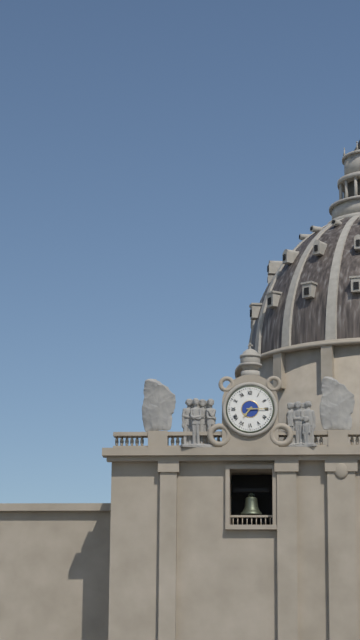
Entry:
7 h 15 min
